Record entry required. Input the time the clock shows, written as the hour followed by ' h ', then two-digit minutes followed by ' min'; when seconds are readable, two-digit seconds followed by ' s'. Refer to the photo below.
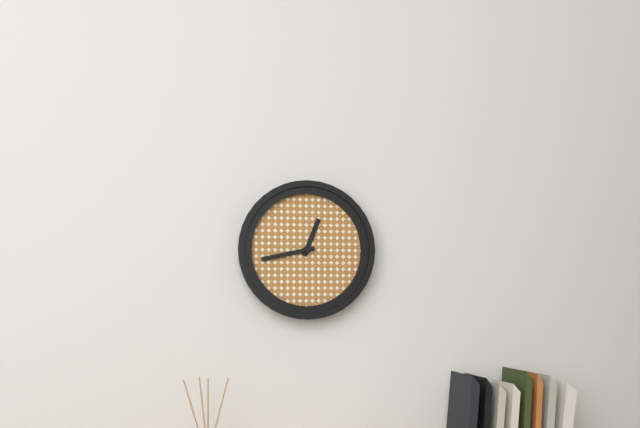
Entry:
12 h 43 min
